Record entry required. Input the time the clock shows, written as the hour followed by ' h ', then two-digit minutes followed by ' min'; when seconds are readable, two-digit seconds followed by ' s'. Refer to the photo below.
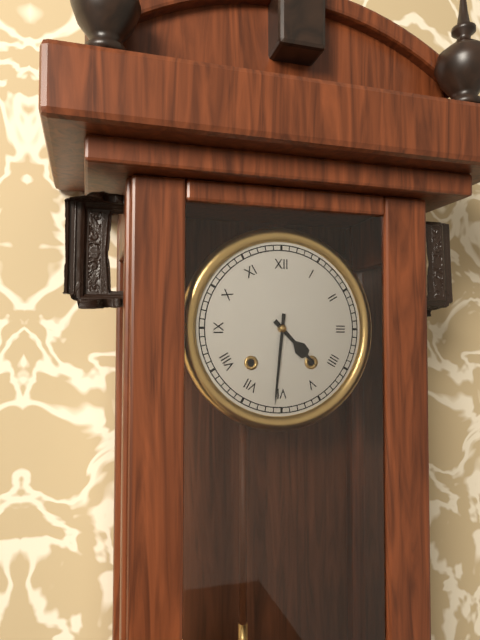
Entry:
4 h 31 min
